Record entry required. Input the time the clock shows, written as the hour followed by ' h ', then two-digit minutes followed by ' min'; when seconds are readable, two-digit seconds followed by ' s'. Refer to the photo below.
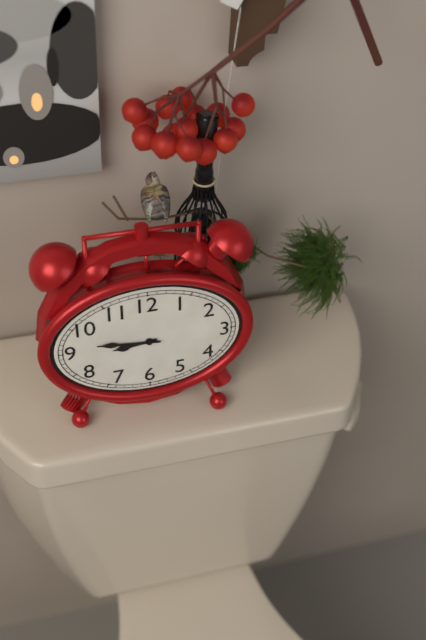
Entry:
8 h 46 min
